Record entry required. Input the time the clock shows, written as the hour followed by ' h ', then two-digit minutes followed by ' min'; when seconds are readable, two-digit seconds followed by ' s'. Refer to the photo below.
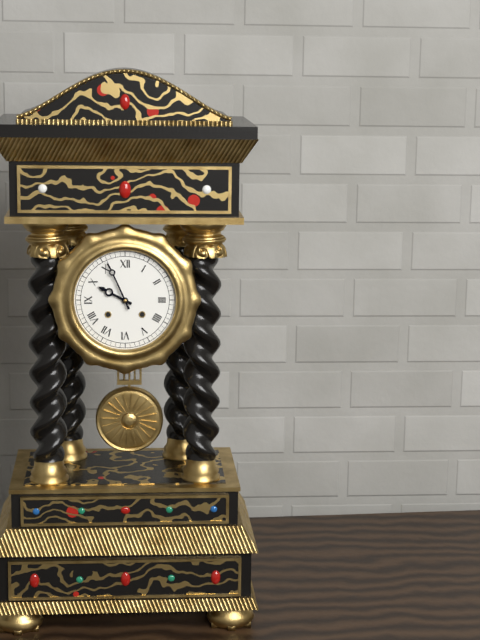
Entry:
9 h 56 min
